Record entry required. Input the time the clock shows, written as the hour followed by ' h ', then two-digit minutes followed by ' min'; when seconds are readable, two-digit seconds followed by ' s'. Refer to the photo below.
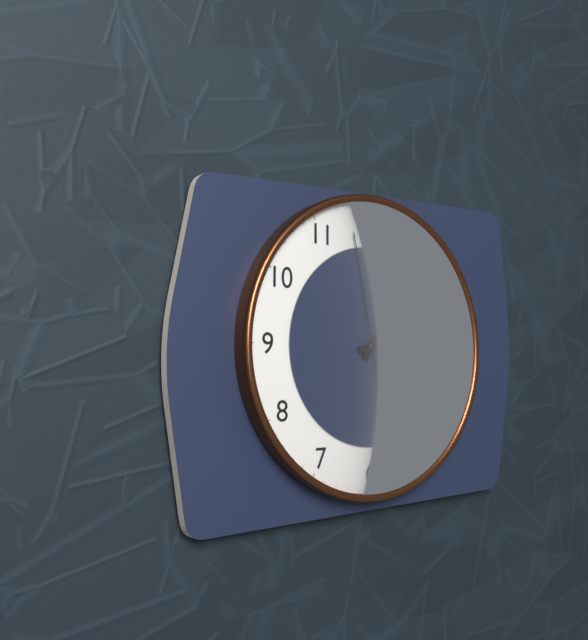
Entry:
1 h 13 min 58 s
